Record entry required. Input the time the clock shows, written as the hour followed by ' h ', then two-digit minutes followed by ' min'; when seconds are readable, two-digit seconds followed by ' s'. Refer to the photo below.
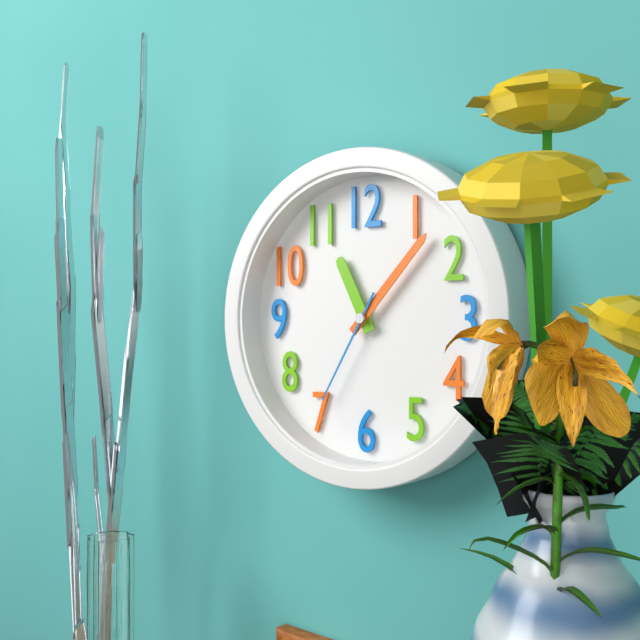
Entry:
11 h 07 min 35 s
